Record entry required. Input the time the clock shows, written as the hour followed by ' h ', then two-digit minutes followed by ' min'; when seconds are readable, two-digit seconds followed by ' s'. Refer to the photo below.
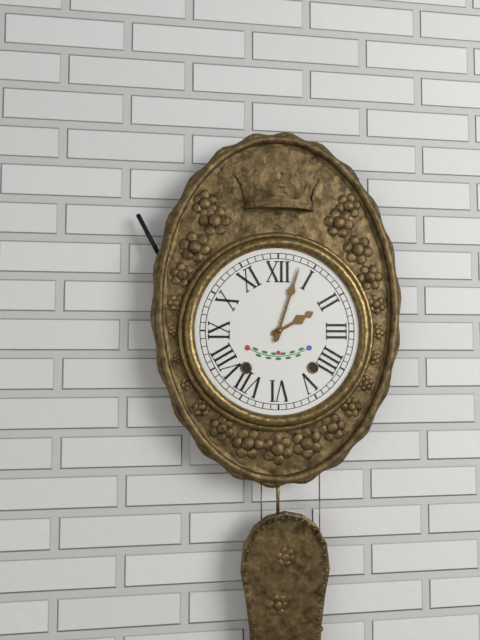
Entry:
2 h 03 min
